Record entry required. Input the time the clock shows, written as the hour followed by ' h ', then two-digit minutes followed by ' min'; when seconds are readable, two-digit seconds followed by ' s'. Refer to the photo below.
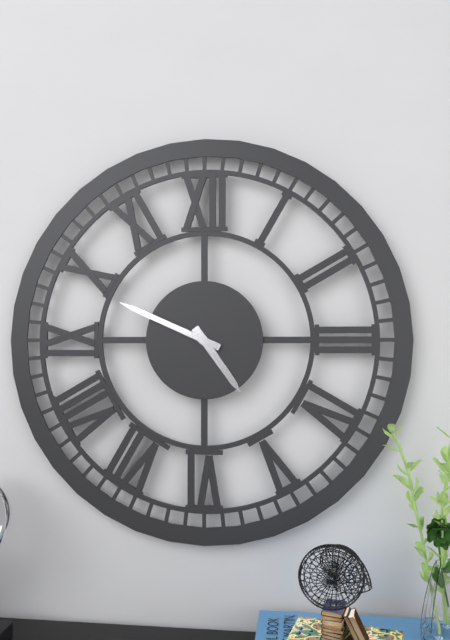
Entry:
4 h 49 min
